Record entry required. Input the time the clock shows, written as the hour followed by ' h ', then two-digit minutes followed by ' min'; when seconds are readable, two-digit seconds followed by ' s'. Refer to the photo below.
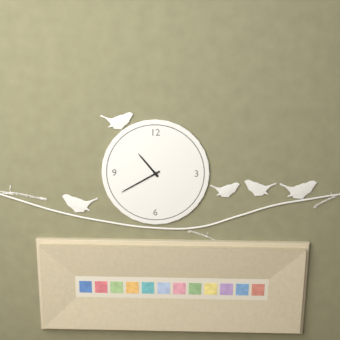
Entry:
10 h 40 min
